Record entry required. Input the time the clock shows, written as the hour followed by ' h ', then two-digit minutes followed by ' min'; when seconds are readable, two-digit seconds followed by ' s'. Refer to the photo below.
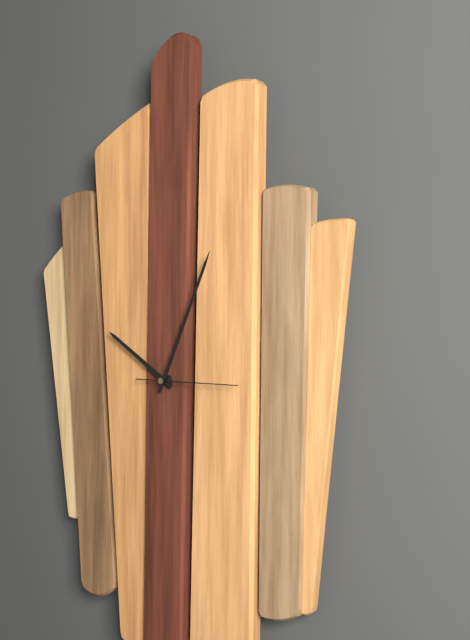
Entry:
10 h 04 min 15 s
